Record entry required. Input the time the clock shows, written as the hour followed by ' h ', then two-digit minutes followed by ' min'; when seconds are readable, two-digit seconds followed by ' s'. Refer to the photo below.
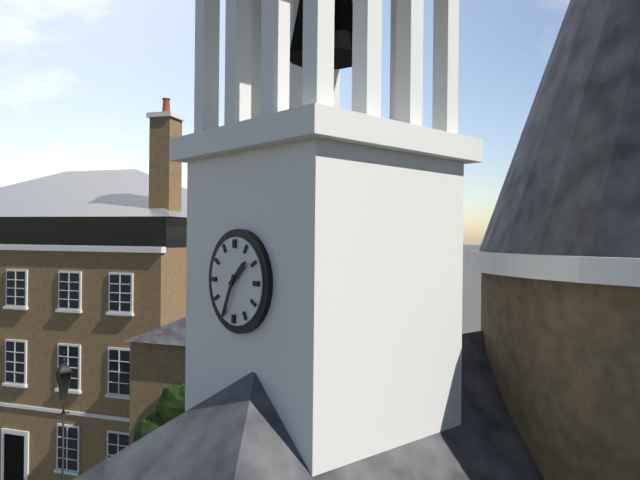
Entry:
1 h 34 min
